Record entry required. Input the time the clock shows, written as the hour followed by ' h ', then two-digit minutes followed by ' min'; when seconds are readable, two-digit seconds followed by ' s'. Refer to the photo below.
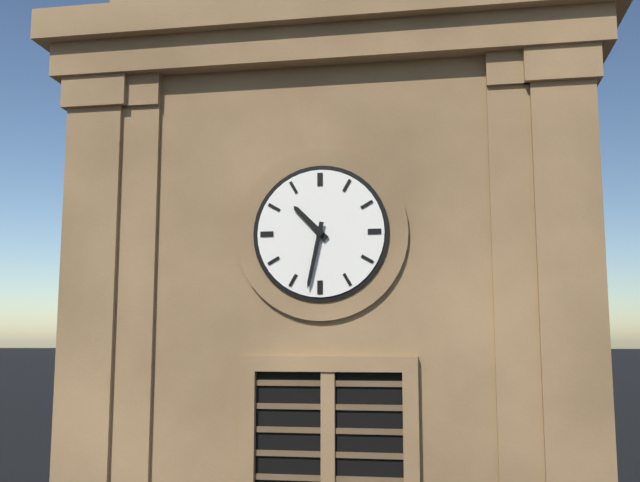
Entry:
10 h 32 min
